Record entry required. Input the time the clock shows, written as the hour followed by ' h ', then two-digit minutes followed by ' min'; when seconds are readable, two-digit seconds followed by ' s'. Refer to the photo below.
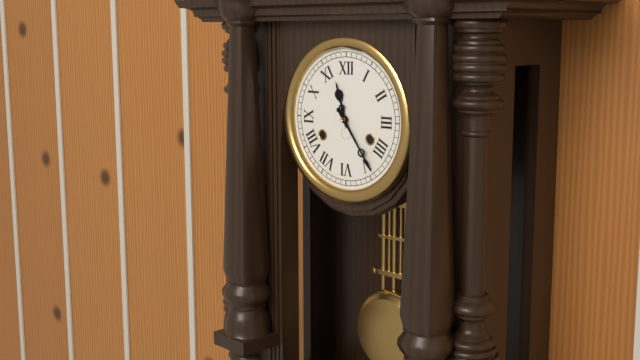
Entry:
11 h 24 min
